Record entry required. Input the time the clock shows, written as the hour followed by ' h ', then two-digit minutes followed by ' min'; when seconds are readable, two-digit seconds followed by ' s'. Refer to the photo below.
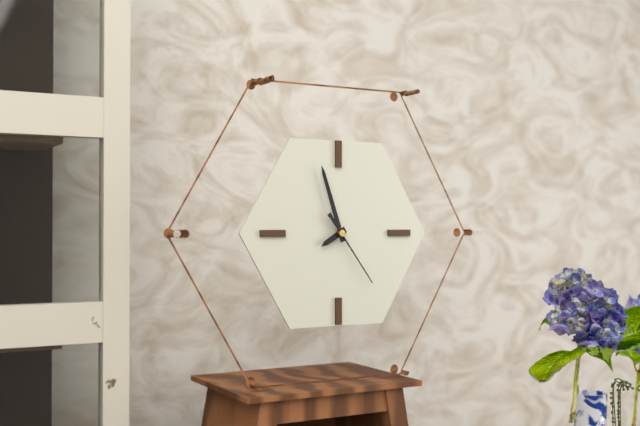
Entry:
7 h 57 min 24 s
